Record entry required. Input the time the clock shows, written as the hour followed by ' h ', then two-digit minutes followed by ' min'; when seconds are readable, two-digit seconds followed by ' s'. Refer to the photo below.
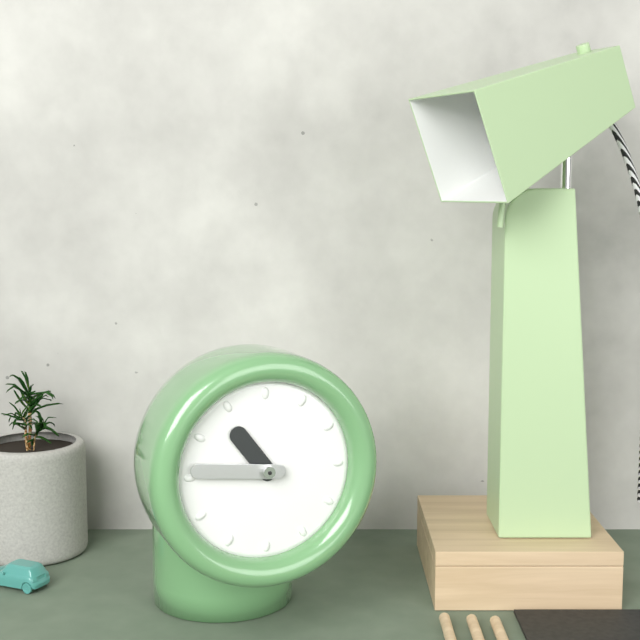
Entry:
10 h 46 min
